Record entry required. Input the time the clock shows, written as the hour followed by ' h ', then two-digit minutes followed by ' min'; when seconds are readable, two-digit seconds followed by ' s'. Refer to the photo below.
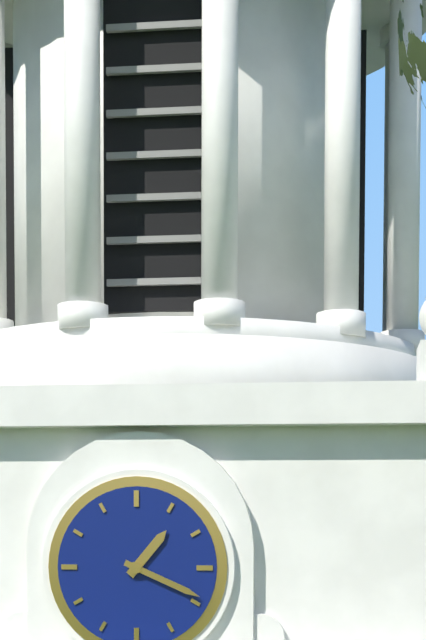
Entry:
1 h 19 min
